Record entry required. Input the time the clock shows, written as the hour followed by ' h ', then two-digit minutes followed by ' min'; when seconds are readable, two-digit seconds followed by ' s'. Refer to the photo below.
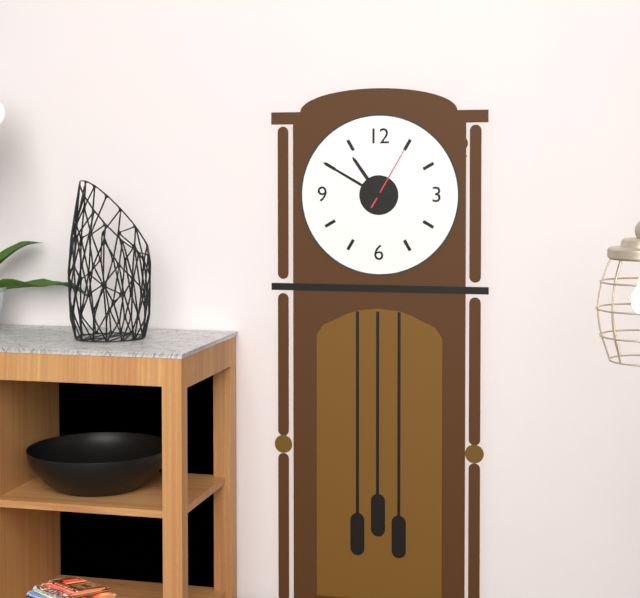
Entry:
10 h 50 min 05 s
